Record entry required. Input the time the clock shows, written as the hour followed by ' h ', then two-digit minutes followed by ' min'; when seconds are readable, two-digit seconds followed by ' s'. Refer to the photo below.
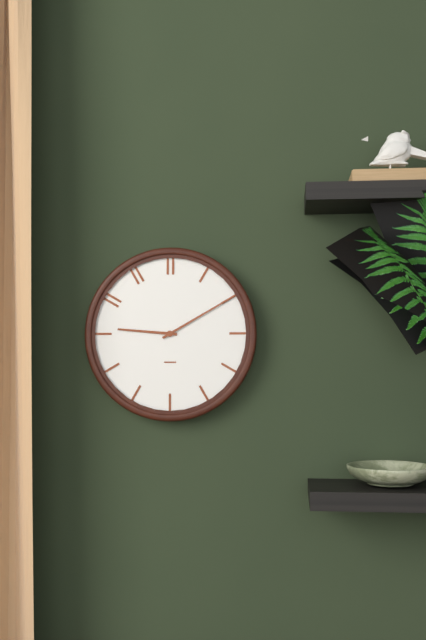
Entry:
9 h 10 min
